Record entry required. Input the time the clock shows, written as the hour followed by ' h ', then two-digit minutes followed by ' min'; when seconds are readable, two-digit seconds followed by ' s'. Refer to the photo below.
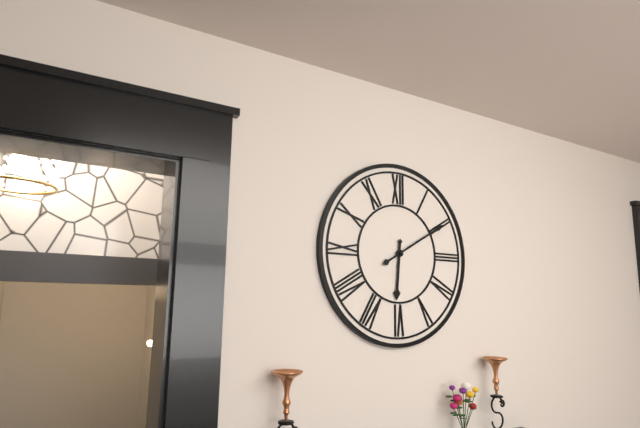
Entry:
6 h 10 min
